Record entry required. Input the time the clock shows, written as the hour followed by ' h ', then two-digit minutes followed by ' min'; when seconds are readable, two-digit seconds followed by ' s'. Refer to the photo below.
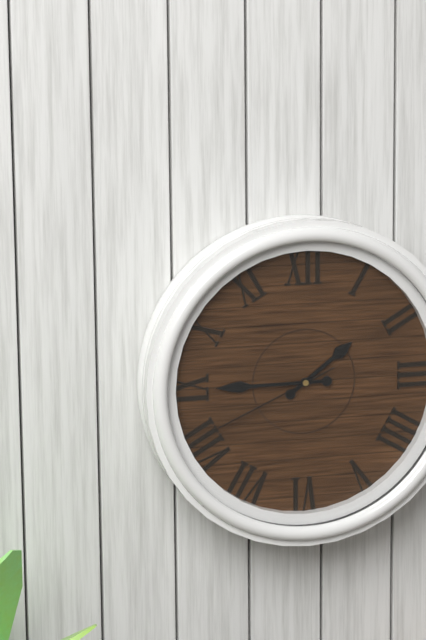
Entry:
1 h 45 min 41 s
